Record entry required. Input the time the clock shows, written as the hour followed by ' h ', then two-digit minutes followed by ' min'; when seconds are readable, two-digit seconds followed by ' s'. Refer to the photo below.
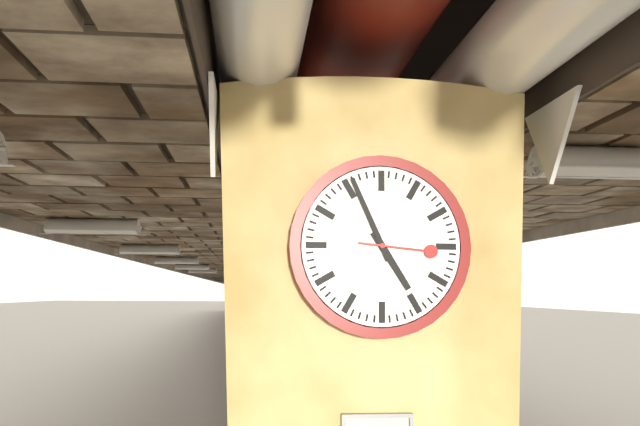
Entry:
4 h 56 min 16 s
